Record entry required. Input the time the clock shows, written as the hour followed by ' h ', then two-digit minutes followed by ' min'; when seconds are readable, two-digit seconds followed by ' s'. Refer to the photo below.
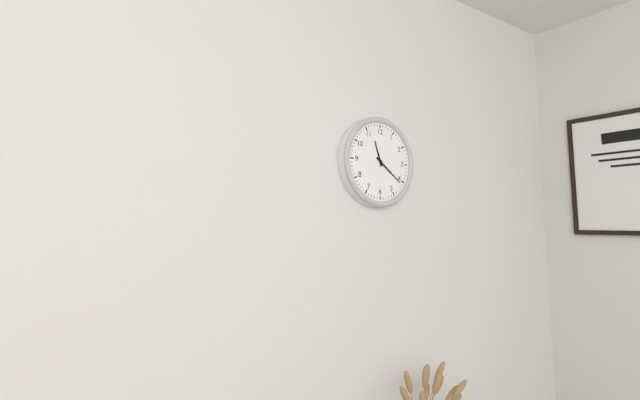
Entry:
11 h 21 min
